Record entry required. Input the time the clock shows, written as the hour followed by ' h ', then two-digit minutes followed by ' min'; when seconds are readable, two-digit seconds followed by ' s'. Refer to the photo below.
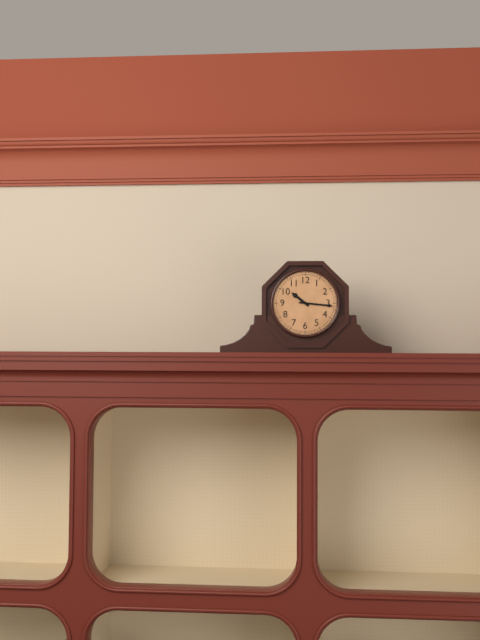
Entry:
10 h 16 min
